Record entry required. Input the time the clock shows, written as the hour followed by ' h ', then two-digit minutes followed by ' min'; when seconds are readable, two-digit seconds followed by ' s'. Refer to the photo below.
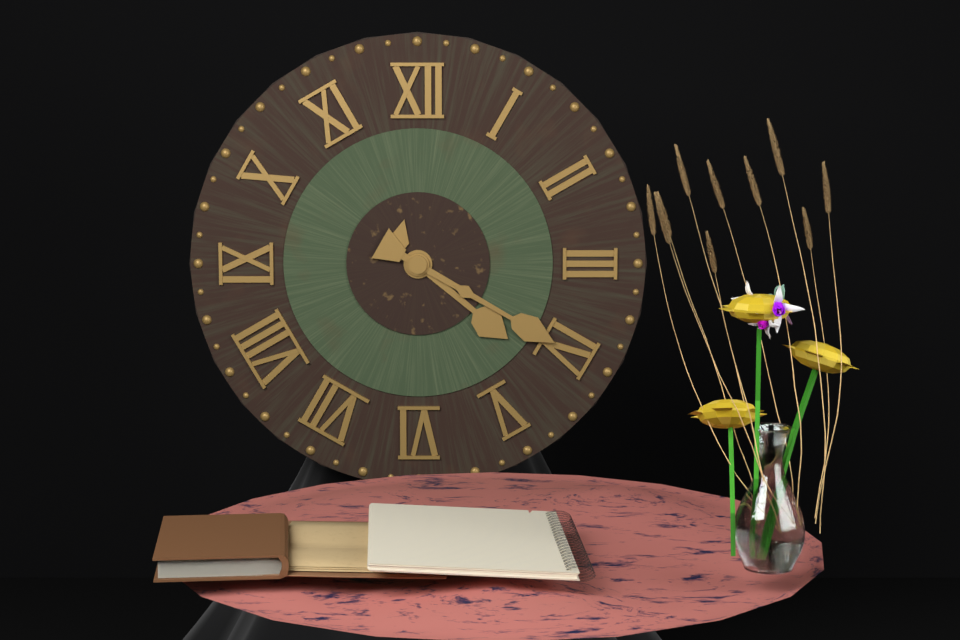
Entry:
4 h 20 min
